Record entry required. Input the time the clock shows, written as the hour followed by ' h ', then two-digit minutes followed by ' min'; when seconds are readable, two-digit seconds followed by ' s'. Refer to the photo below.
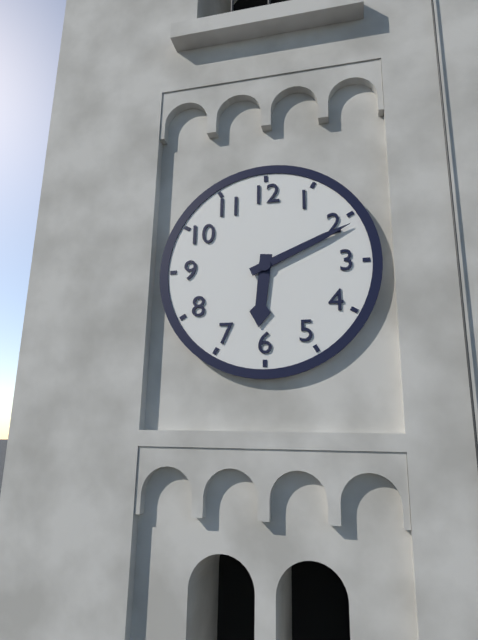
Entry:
6 h 11 min
